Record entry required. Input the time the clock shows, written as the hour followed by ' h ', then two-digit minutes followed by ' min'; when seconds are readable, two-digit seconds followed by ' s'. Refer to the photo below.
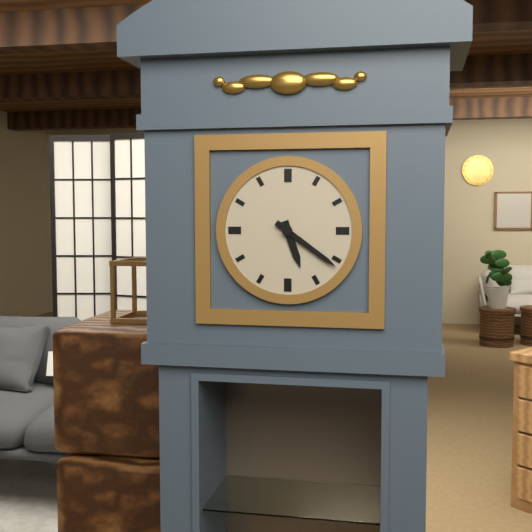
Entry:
5 h 21 min
